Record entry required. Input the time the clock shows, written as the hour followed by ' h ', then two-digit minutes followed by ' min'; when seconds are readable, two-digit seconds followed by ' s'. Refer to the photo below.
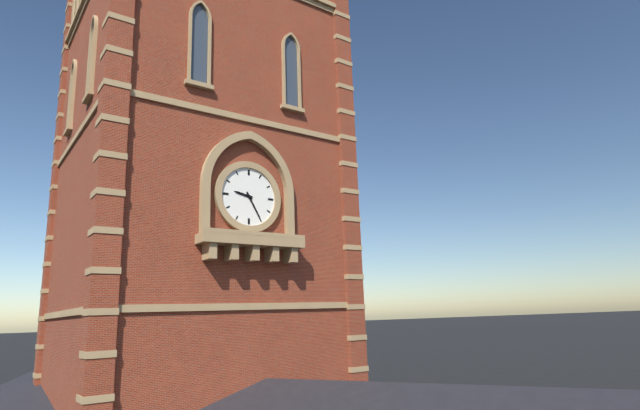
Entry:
9 h 25 min
